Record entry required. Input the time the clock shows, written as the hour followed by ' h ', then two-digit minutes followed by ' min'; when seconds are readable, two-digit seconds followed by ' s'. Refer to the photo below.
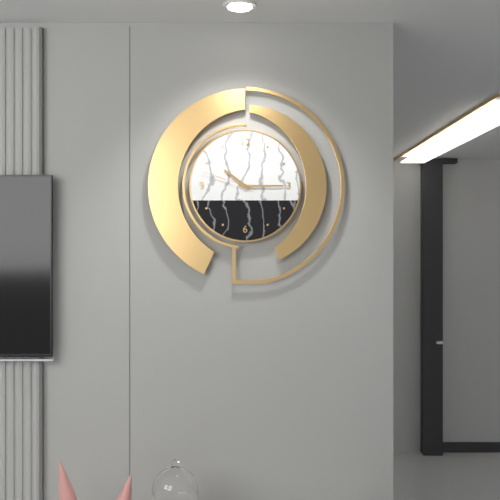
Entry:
10 h 15 min 48 s
